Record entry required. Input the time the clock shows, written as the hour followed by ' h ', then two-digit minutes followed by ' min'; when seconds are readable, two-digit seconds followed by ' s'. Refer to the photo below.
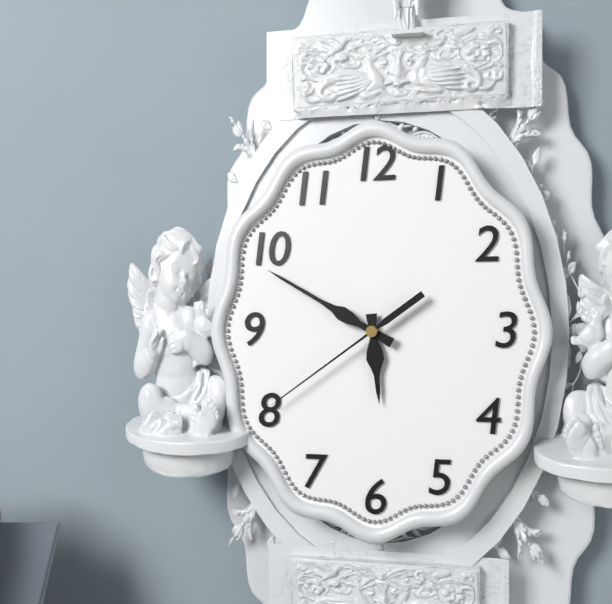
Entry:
5 h 50 min 39 s
